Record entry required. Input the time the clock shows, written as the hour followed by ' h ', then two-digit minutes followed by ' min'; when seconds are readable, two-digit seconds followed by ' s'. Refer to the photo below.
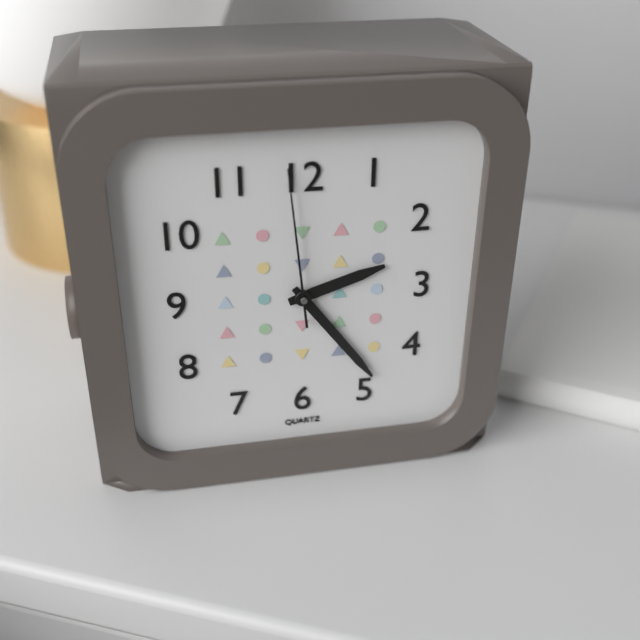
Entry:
2 h 24 min 59 s
